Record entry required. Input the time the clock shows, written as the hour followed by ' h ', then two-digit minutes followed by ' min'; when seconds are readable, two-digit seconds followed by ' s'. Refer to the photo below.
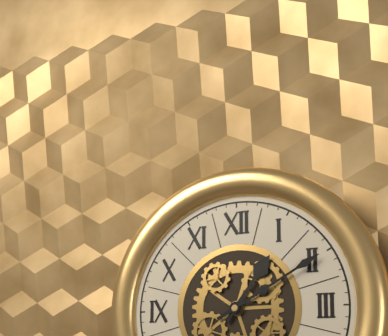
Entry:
1 h 10 min
